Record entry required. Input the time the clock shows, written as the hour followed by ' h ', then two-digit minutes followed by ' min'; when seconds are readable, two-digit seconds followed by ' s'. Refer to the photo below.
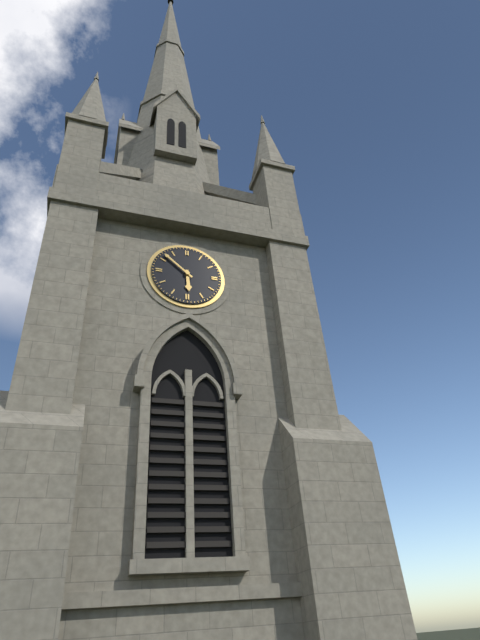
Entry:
5 h 52 min
